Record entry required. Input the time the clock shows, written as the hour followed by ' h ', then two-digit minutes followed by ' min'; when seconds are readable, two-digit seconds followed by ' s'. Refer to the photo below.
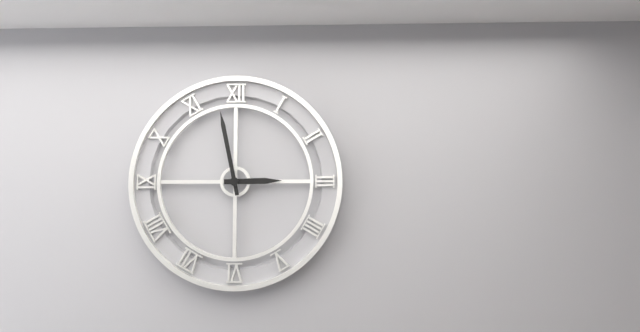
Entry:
2 h 58 min
